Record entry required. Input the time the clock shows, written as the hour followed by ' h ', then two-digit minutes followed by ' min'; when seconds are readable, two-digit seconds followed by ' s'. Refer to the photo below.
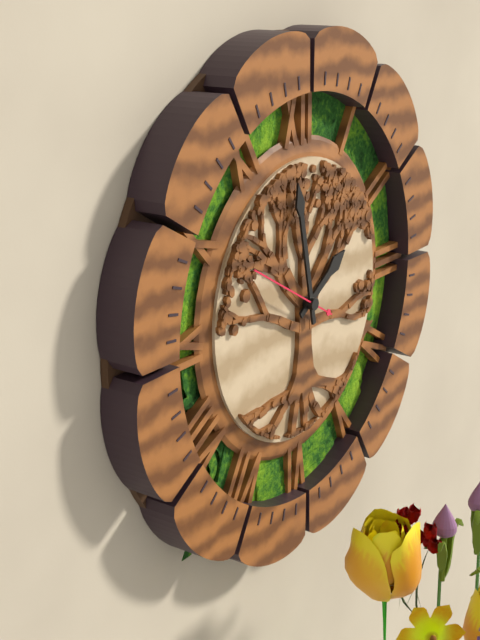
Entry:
1 h 58 min
